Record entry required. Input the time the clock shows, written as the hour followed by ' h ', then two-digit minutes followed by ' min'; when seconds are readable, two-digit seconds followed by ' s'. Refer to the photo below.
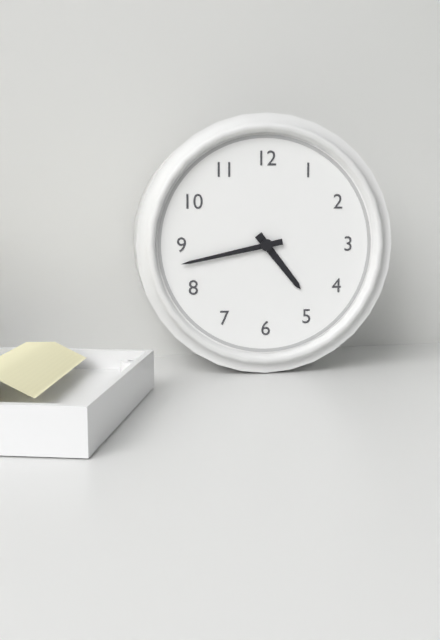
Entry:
4 h 43 min
